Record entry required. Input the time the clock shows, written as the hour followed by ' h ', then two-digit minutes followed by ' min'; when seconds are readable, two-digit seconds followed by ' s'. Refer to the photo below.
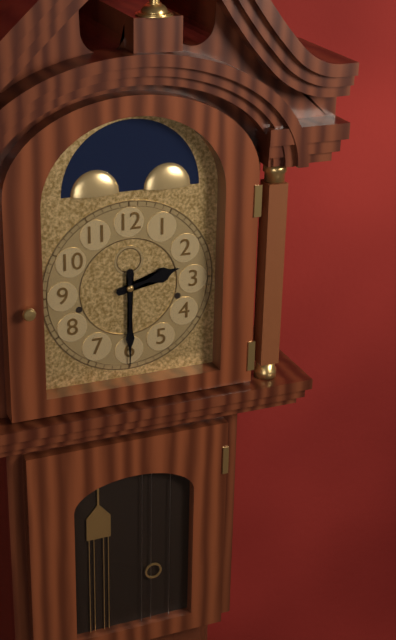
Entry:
2 h 30 min
